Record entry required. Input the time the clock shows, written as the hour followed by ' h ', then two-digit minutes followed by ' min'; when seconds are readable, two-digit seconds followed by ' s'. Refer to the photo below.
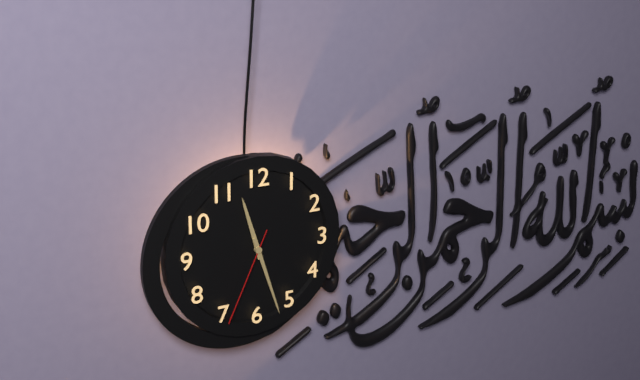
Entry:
11 h 27 min 34 s
